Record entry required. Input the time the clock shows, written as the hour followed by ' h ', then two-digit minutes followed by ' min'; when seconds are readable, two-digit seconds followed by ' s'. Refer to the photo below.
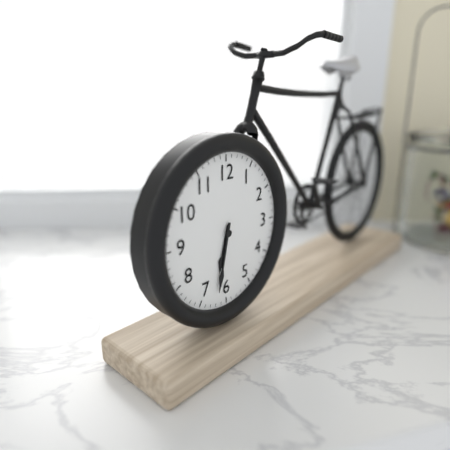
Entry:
6 h 32 min
